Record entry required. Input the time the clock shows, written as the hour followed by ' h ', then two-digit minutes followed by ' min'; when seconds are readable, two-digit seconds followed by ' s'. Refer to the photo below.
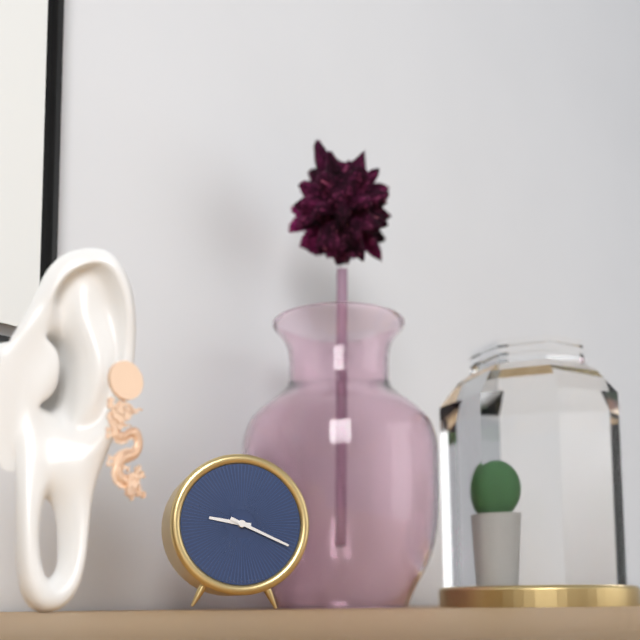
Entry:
9 h 19 min
